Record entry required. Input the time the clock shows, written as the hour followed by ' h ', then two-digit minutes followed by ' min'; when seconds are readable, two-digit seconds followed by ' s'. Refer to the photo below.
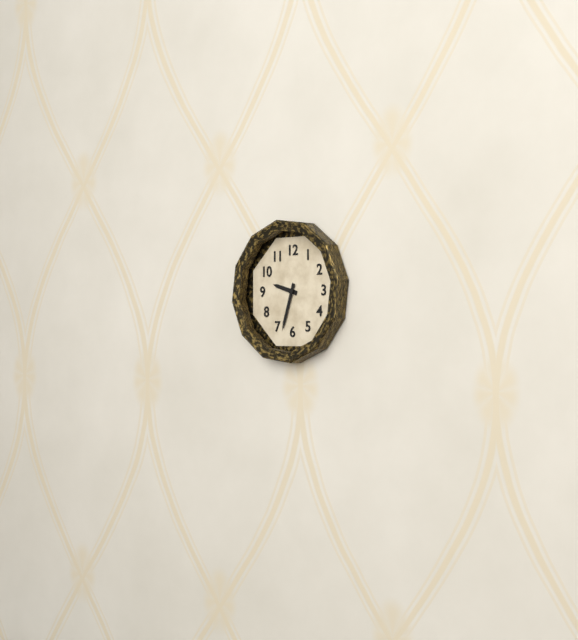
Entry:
9 h 33 min
